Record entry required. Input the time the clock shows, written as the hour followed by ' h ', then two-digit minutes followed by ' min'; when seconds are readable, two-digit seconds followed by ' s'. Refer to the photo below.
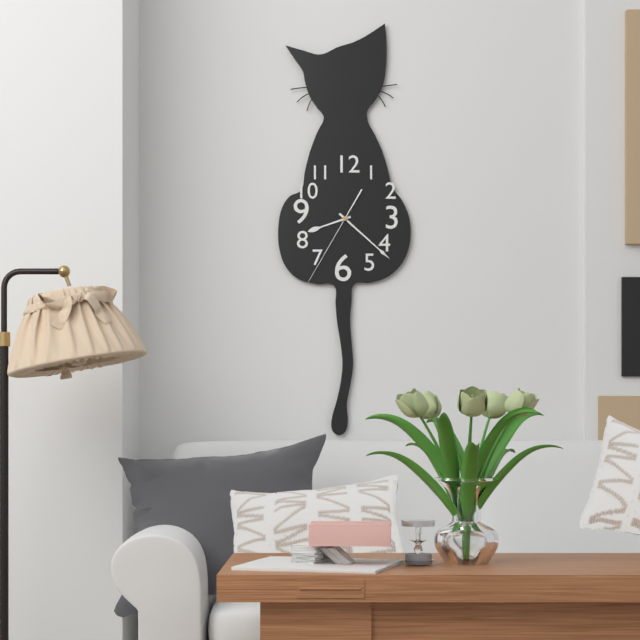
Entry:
8 h 22 min 35 s
